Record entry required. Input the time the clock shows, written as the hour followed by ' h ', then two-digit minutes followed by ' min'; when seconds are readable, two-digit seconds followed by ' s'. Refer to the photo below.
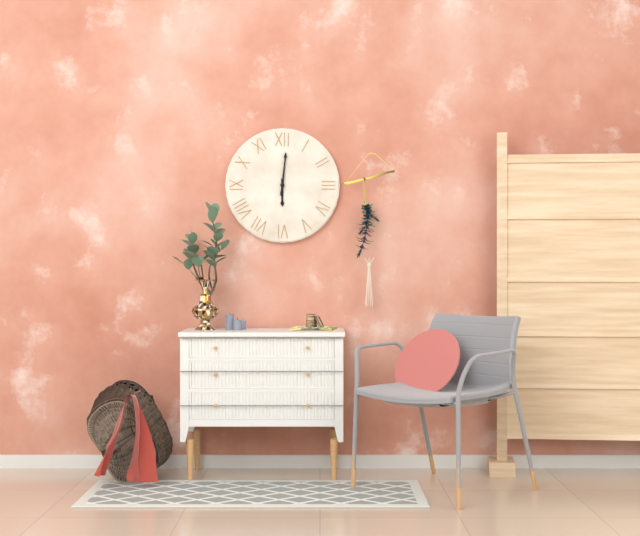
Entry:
6 h 01 min
